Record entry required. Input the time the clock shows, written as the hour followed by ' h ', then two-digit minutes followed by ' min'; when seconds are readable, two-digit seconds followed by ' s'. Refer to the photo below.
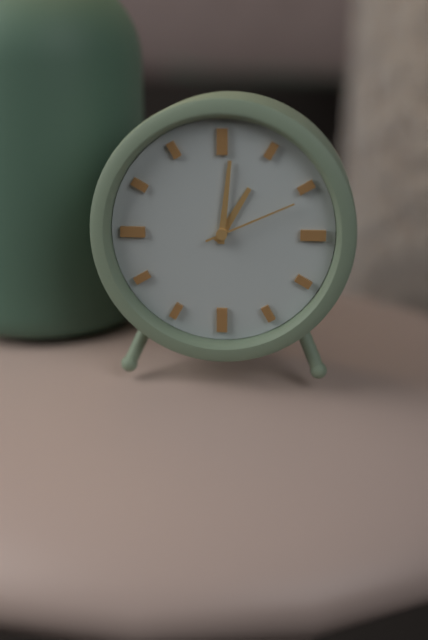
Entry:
1 h 01 min 11 s
